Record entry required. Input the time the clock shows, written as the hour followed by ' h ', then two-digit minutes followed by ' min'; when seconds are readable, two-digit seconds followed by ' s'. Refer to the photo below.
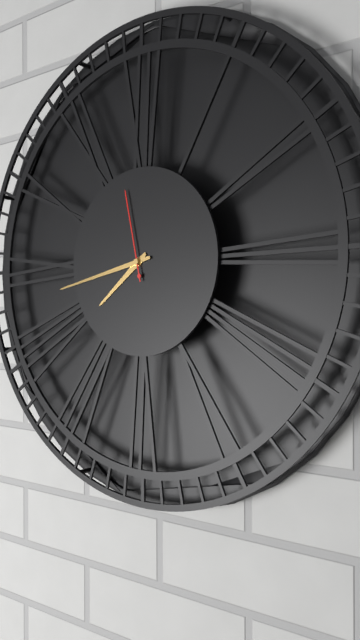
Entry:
7 h 43 min 58 s
